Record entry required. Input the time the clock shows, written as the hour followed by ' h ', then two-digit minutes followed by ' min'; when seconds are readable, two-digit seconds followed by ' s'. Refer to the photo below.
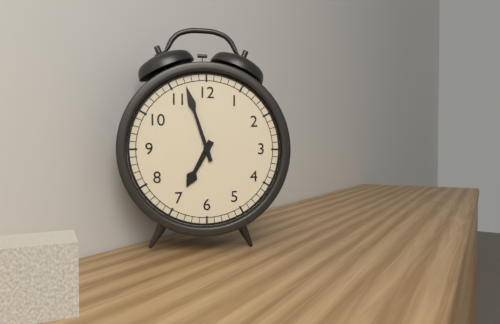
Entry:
6 h 57 min
